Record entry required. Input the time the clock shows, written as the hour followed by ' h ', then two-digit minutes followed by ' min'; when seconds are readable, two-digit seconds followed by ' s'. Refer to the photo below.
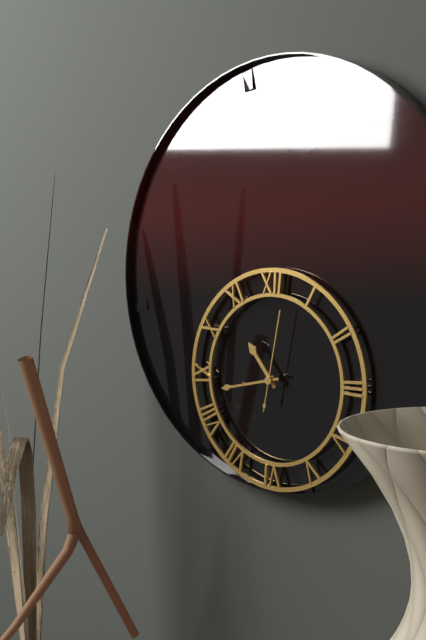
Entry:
10 h 43 min 02 s
